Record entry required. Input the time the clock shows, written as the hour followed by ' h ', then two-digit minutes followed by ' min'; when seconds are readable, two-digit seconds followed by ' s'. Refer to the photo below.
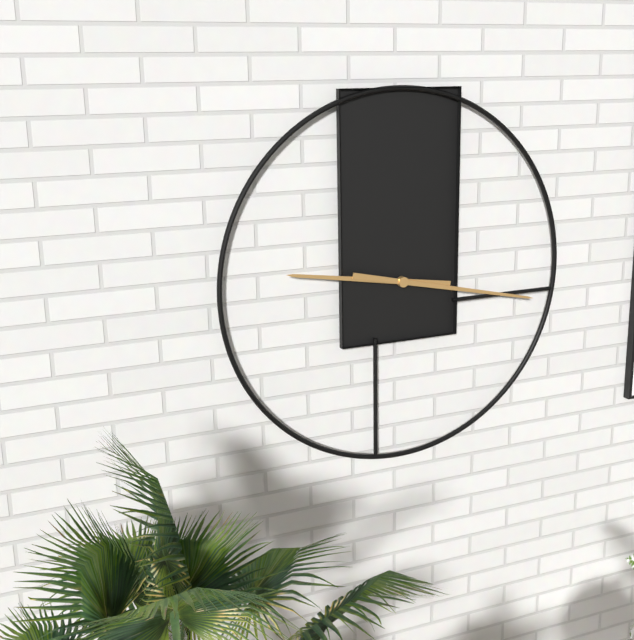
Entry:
9 h 17 min
